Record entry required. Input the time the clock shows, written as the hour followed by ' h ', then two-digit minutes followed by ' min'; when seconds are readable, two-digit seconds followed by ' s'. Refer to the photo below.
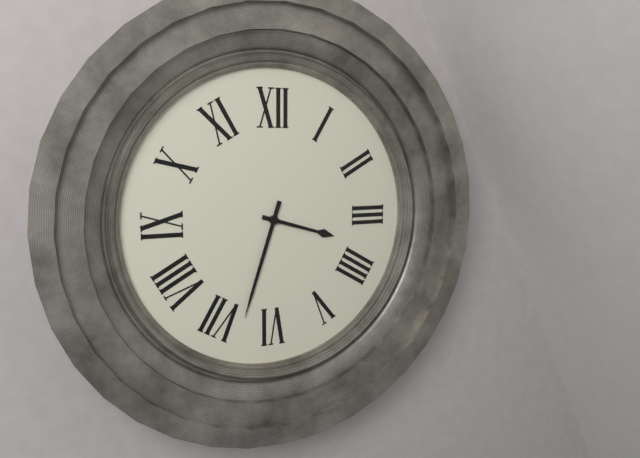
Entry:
3 h 33 min
